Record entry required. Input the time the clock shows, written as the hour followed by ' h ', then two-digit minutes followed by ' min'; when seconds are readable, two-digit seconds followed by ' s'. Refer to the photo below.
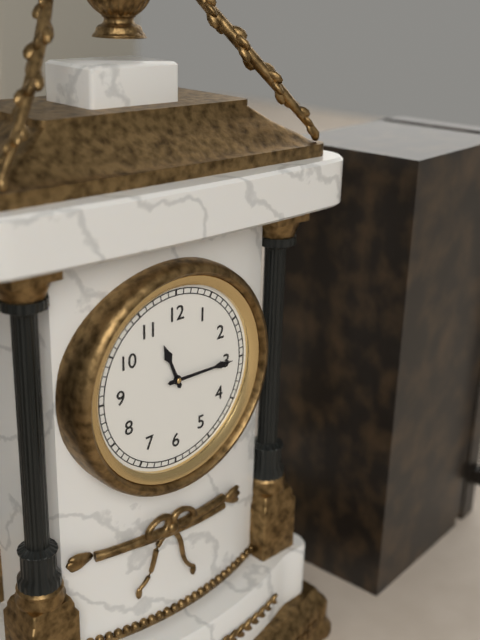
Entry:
11 h 15 min
